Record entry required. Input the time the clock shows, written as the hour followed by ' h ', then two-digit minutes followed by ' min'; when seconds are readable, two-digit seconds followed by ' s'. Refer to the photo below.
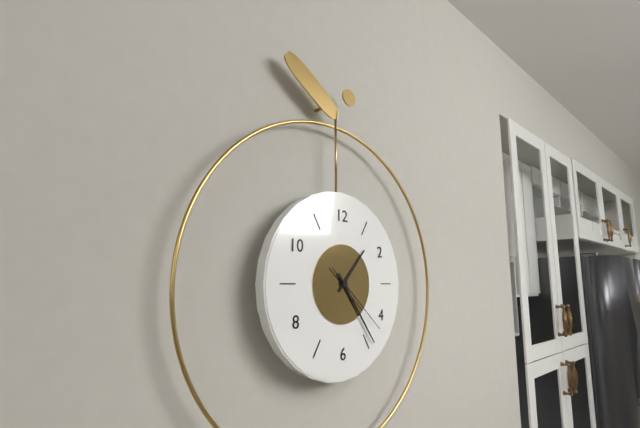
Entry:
1 h 24 min 22 s
